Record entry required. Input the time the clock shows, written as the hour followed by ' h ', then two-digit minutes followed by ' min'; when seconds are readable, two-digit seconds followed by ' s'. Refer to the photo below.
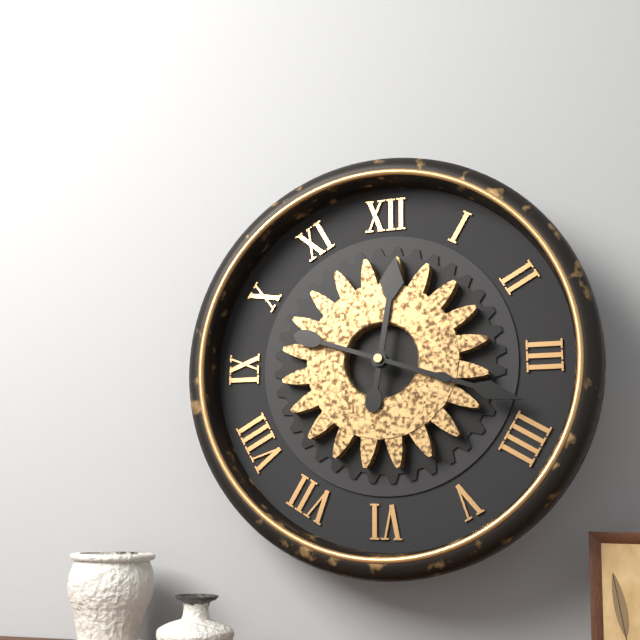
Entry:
12 h 18 min
